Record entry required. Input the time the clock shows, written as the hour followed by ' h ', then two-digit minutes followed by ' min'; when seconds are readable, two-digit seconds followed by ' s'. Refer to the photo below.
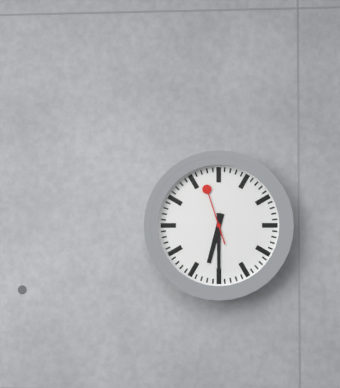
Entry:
6 h 30 min 57 s
